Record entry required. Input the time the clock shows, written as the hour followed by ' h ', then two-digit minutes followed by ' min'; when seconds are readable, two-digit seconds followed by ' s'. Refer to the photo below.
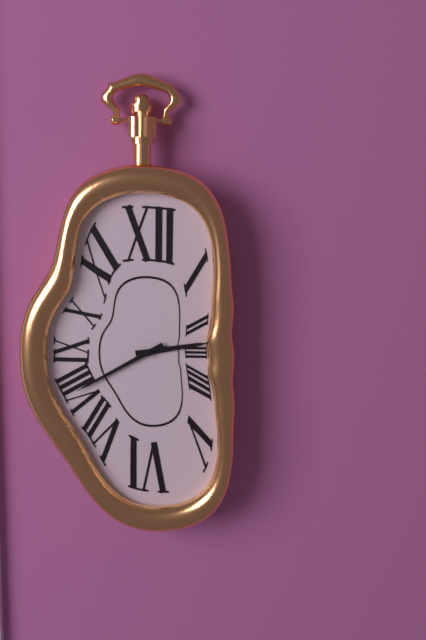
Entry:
2 h 40 min
